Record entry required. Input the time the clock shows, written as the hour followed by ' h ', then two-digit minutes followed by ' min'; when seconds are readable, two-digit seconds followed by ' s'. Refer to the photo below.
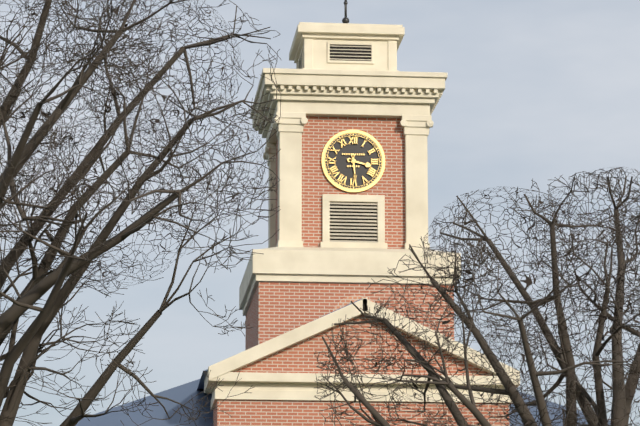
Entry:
3 h 29 min
